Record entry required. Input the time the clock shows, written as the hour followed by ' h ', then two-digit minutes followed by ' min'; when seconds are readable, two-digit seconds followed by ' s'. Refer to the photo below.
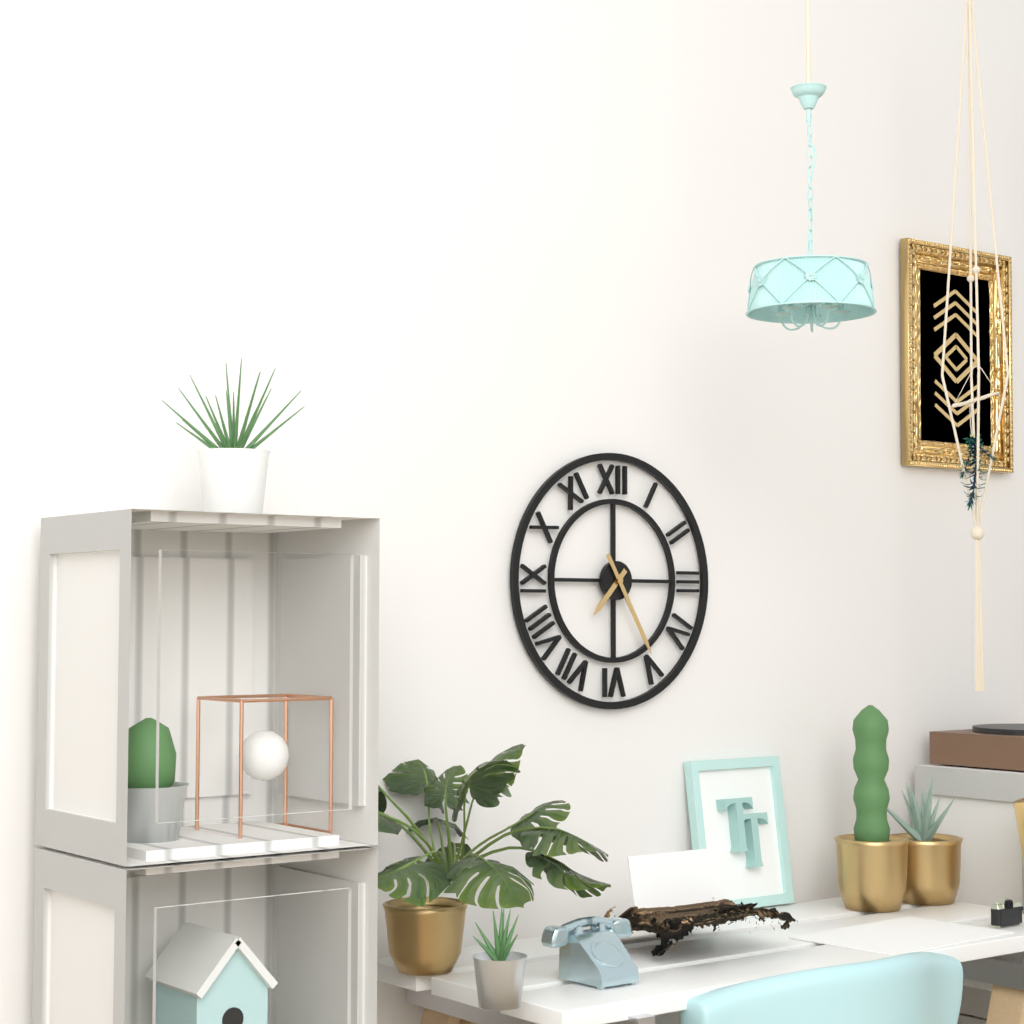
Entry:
7 h 25 min
